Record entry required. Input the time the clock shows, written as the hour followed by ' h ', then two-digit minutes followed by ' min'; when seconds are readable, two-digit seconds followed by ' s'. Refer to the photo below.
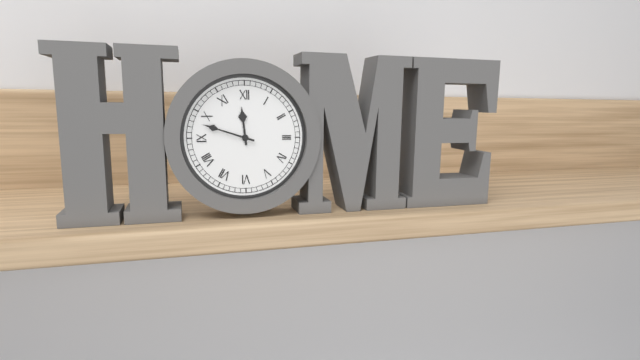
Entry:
11 h 48 min
